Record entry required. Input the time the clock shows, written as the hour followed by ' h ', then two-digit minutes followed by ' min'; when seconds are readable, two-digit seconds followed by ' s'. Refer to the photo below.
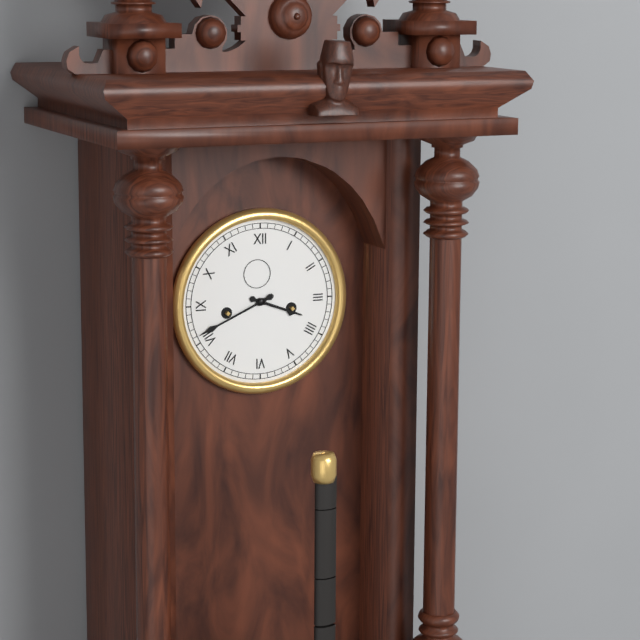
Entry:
3 h 41 min
